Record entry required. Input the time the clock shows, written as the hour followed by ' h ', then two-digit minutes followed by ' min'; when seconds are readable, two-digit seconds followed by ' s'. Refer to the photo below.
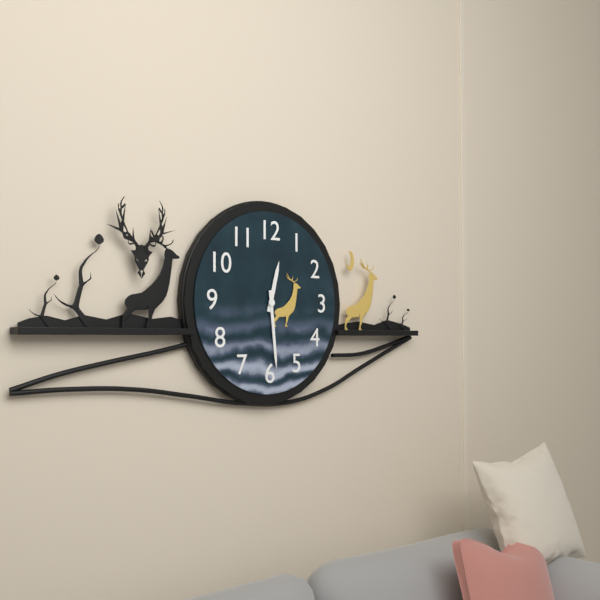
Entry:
12 h 29 min
